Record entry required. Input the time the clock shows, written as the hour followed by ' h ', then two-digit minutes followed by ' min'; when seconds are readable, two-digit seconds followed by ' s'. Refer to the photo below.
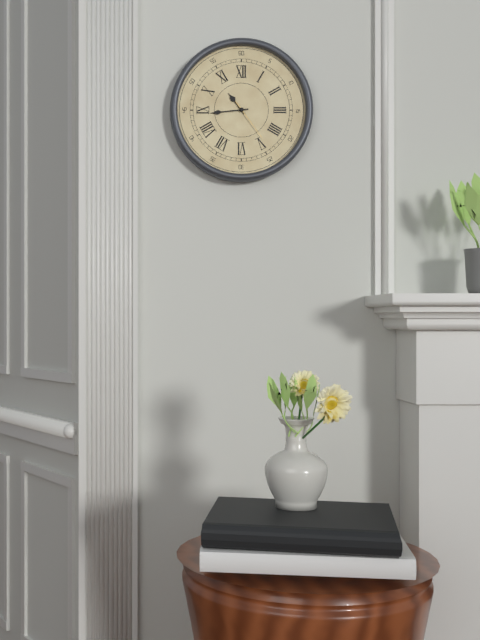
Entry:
10 h 44 min
